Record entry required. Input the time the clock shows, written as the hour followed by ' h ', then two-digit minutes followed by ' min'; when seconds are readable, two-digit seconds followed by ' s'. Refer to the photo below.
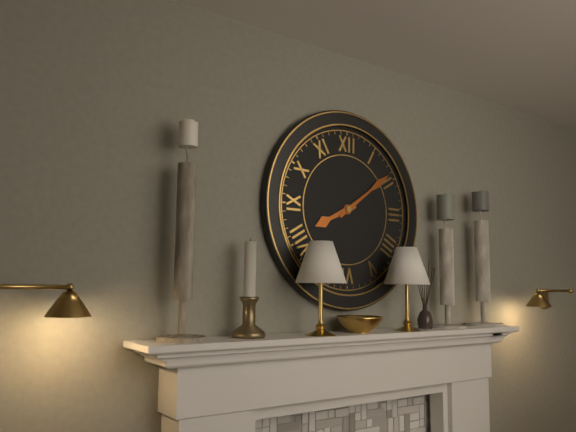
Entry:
8 h 09 min
